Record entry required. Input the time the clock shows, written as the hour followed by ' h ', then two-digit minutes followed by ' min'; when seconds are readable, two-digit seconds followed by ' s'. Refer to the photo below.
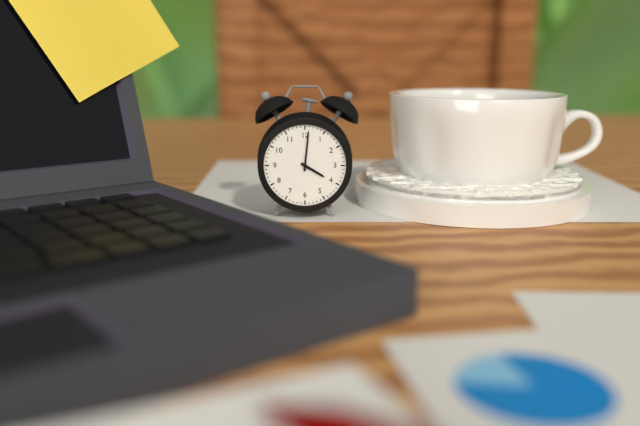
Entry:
4 h 01 min
